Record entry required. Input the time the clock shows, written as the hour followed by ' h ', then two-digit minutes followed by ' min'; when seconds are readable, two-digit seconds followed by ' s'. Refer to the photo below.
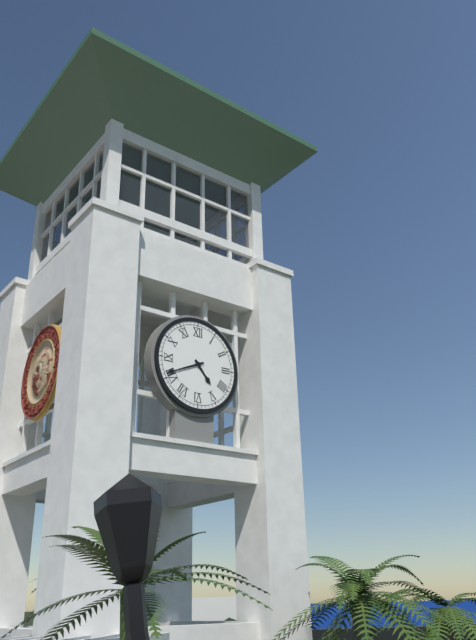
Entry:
4 h 41 min
